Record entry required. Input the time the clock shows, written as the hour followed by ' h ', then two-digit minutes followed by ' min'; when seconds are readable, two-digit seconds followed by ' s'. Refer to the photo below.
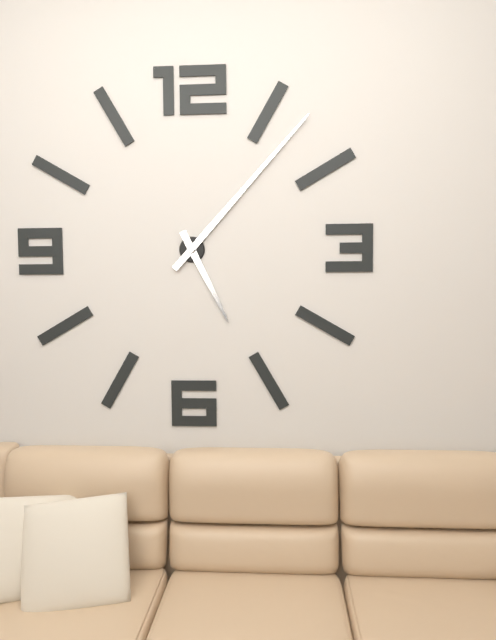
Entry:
5 h 07 min
